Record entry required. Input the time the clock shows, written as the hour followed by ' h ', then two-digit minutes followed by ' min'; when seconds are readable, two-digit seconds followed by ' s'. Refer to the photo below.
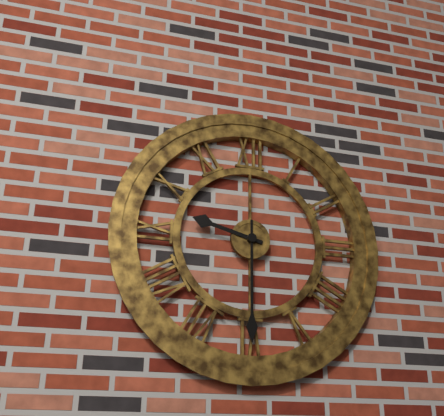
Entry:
9 h 30 min
